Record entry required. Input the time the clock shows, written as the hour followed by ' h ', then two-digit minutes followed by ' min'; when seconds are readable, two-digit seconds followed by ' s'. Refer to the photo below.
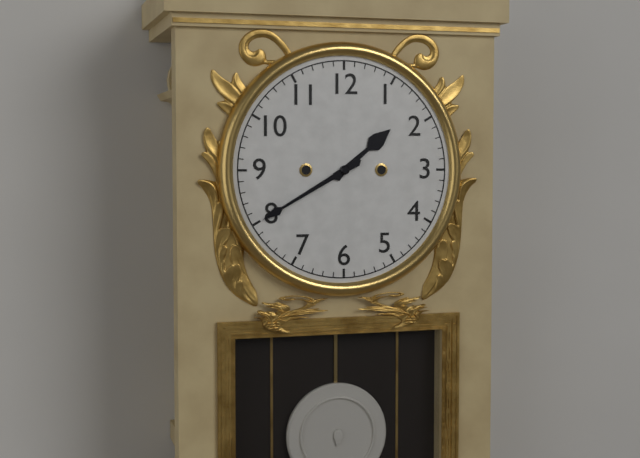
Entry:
1 h 40 min
